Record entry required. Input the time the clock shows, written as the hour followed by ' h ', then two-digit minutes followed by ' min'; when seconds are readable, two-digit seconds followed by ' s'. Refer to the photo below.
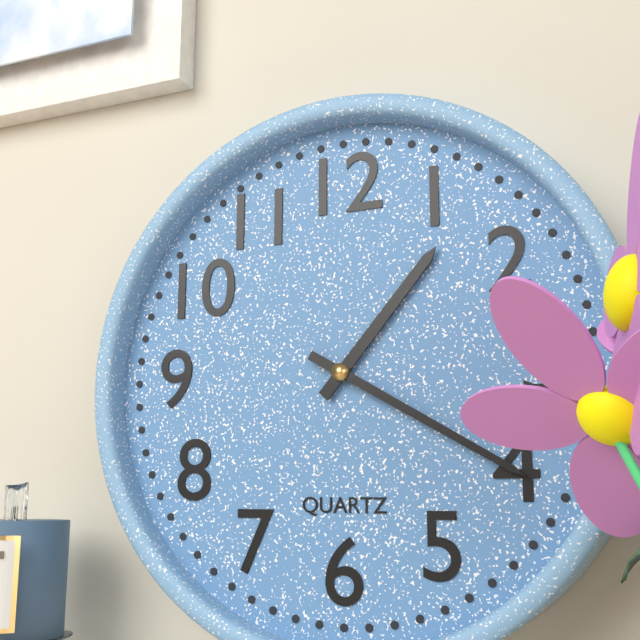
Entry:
1 h 20 min
